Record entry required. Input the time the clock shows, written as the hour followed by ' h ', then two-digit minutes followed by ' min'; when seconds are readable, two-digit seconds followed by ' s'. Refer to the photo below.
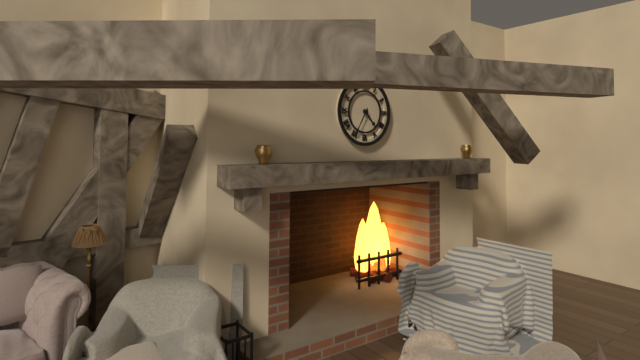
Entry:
4 h 35 min
